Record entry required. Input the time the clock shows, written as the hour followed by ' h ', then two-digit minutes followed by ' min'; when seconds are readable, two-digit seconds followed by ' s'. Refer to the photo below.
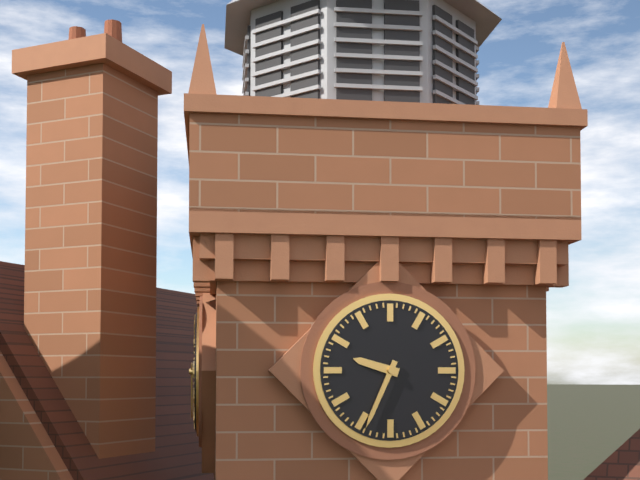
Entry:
9 h 34 min
